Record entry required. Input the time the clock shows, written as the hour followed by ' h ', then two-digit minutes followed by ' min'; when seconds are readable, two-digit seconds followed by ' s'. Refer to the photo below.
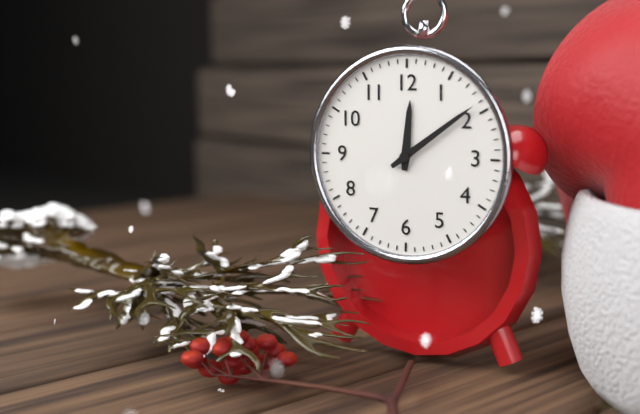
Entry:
12 h 09 min
